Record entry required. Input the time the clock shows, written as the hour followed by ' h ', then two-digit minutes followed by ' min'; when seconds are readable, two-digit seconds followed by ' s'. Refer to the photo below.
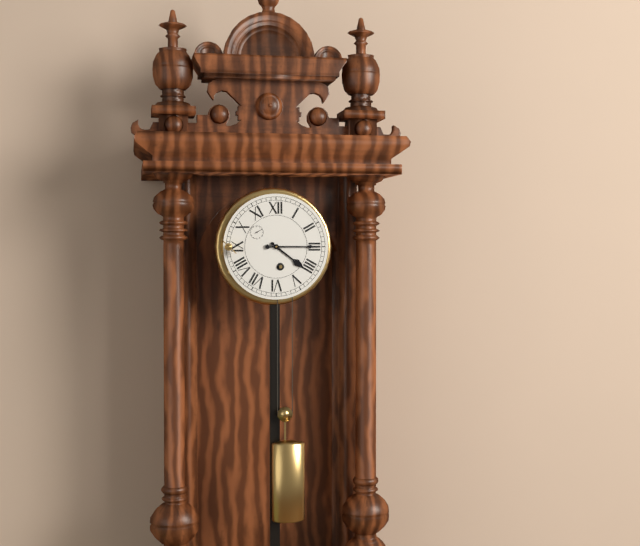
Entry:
4 h 15 min
